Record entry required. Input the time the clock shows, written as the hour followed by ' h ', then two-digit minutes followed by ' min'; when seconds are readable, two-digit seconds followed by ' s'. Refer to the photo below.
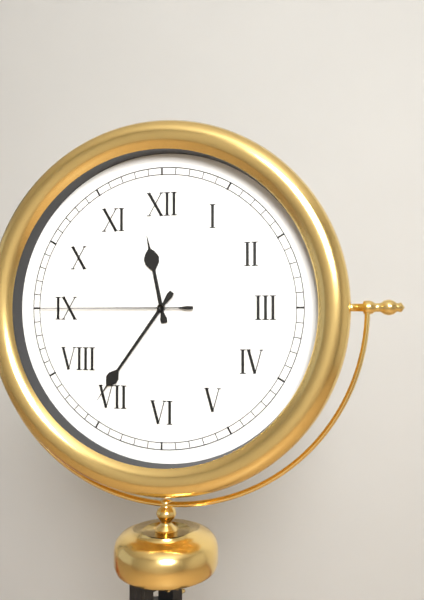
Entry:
11 h 36 min 45 s
